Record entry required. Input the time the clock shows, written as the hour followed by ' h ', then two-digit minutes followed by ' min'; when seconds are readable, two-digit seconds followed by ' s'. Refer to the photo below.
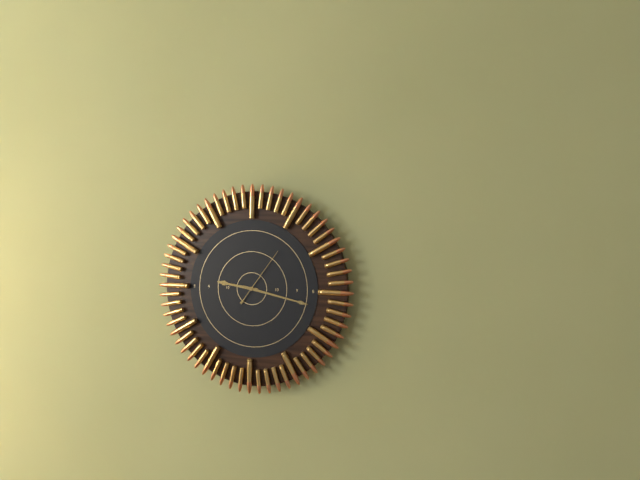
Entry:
9 h 17 min 06 s
